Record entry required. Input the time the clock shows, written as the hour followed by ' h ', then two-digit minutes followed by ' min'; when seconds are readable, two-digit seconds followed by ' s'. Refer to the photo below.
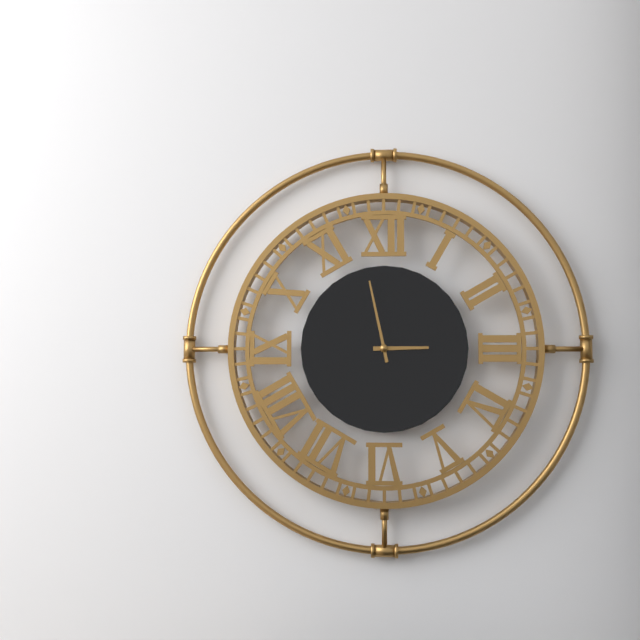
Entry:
2 h 58 min
